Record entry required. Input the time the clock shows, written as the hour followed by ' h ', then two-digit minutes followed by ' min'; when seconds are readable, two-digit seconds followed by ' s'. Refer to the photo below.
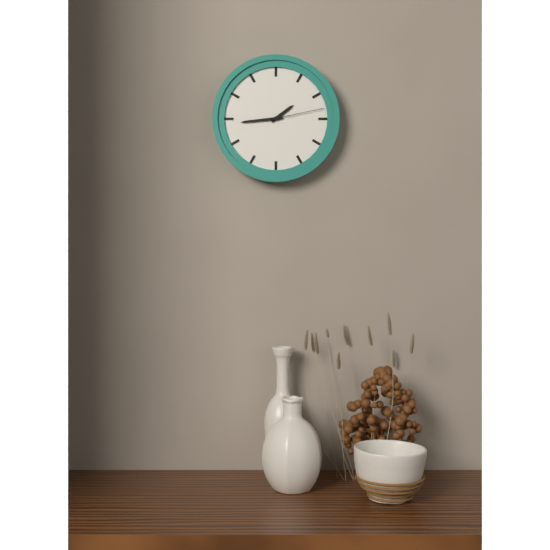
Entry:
1 h 44 min 13 s
